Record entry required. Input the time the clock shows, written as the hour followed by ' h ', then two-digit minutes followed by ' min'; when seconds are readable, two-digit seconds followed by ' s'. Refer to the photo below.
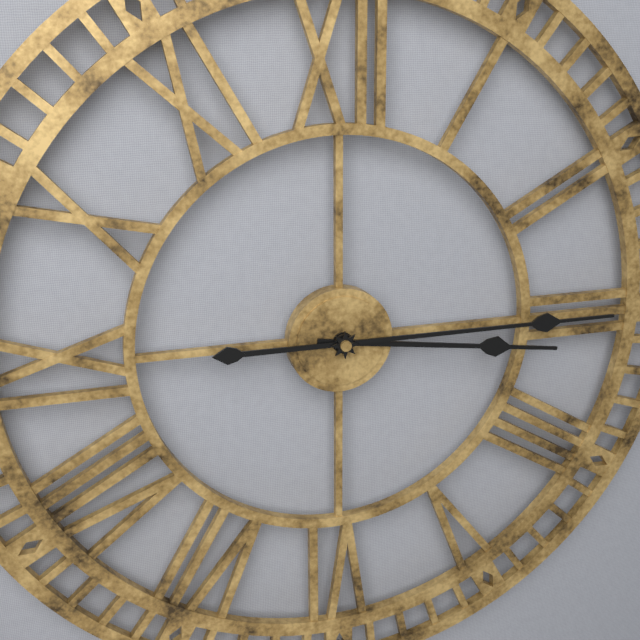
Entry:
3 h 15 min
